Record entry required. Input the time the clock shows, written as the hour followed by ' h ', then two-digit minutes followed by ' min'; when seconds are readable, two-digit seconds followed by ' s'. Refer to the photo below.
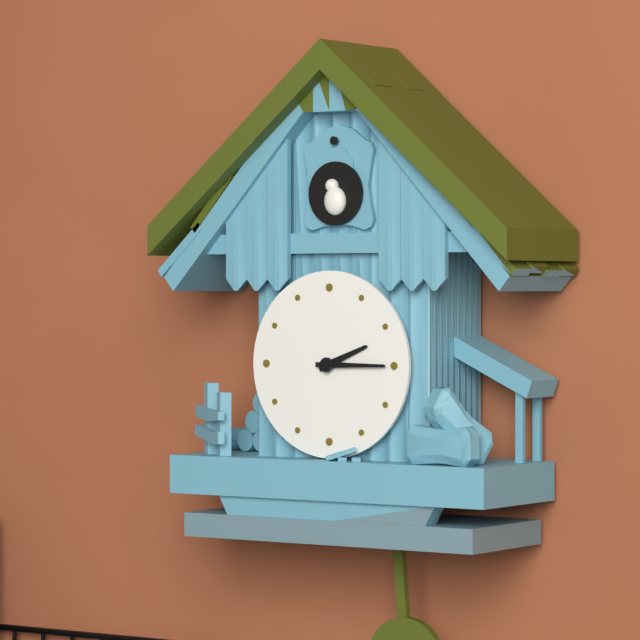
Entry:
2 h 15 min
